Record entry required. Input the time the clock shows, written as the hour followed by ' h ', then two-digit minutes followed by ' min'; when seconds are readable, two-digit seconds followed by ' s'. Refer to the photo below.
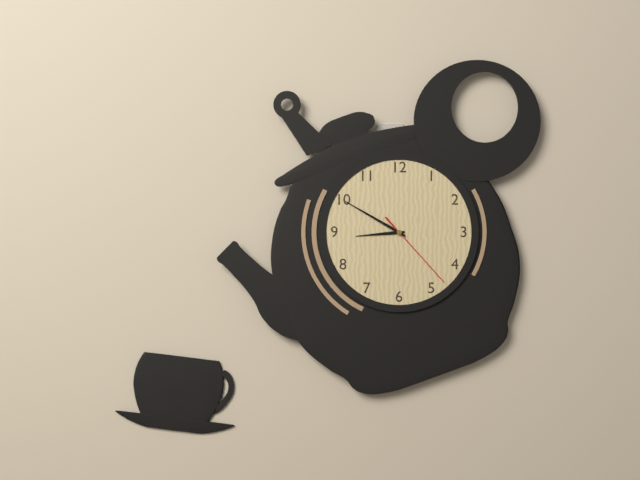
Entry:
8 h 50 min 23 s
